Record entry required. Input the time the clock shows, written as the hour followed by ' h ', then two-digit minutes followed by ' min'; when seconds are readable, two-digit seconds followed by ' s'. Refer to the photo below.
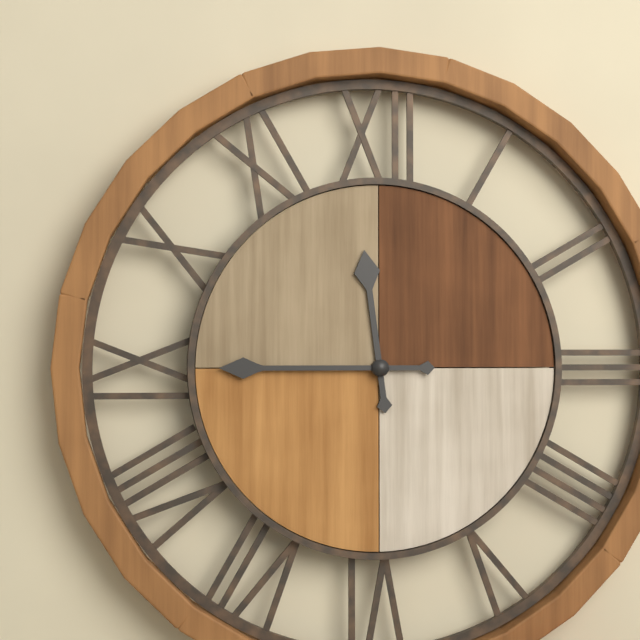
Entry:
11 h 45 min
